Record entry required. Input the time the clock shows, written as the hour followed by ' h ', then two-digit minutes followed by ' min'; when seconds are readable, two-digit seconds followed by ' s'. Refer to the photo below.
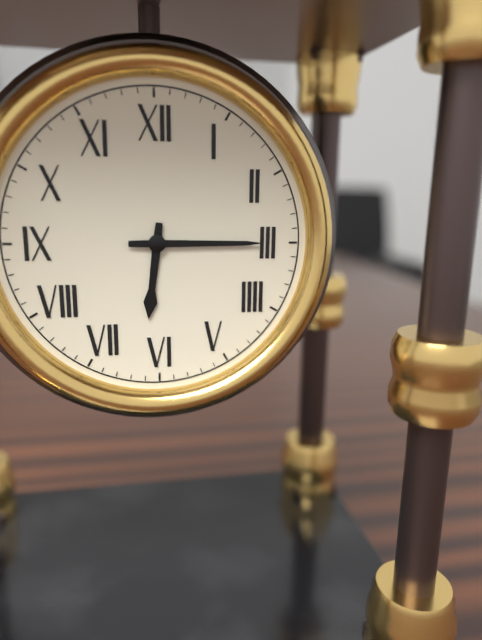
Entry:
6 h 15 min
